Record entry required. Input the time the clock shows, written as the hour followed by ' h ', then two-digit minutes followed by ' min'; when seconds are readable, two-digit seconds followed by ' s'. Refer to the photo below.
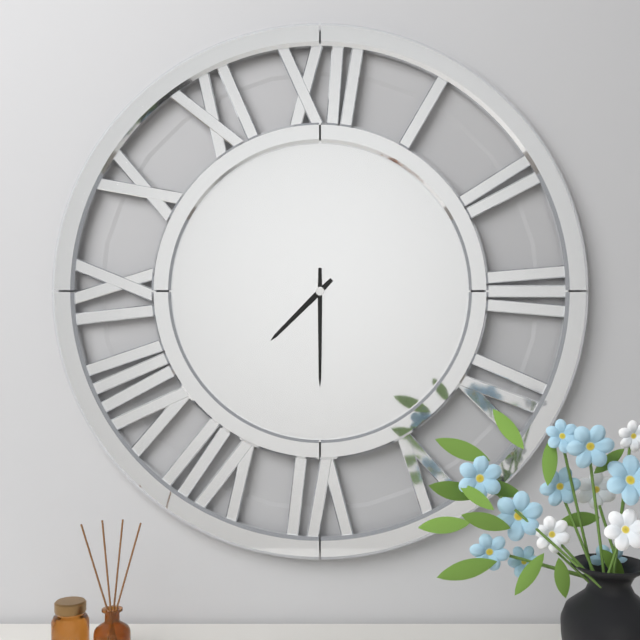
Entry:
7 h 30 min
